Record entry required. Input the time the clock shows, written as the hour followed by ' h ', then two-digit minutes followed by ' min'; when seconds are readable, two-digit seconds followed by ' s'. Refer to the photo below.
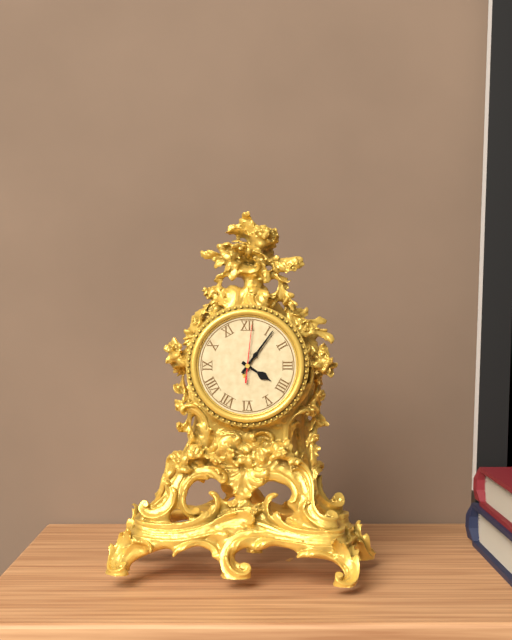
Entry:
4 h 06 min 01 s
